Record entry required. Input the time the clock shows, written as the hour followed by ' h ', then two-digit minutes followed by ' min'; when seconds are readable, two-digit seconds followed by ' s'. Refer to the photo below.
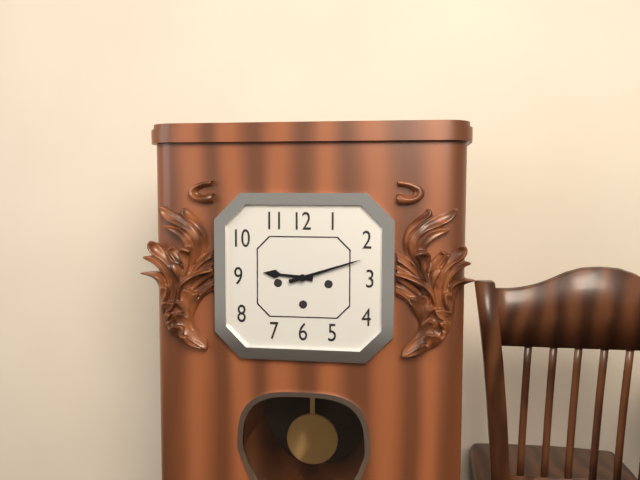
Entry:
9 h 12 min
